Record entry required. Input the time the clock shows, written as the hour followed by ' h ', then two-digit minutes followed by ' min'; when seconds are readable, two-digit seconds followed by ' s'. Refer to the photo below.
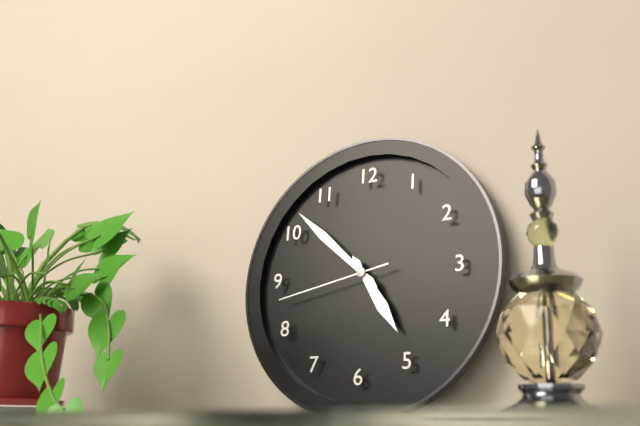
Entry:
4 h 52 min 43 s
